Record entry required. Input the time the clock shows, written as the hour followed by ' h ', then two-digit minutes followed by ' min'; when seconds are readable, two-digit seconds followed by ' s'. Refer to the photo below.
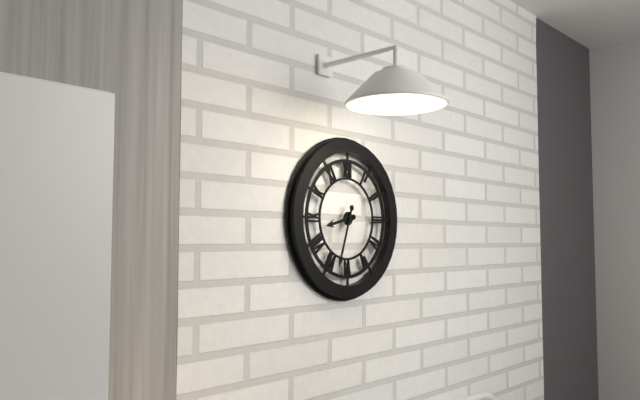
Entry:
8 h 33 min
